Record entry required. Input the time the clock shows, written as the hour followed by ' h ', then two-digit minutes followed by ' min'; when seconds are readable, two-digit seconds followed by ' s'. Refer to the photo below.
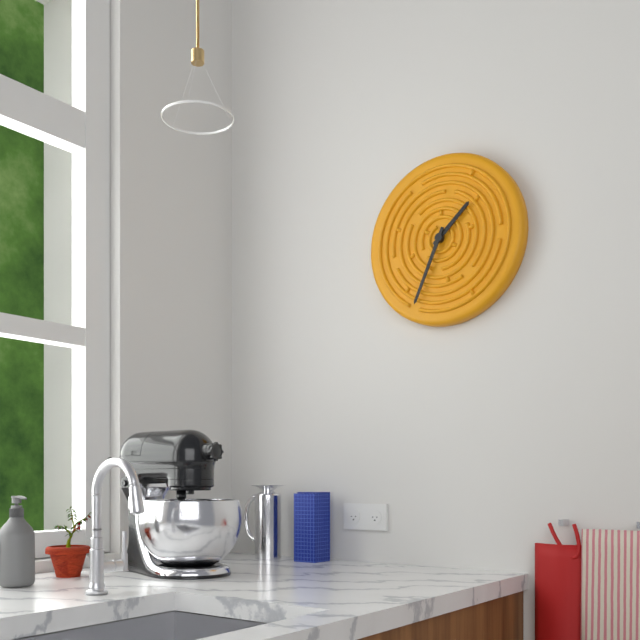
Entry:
1 h 34 min
